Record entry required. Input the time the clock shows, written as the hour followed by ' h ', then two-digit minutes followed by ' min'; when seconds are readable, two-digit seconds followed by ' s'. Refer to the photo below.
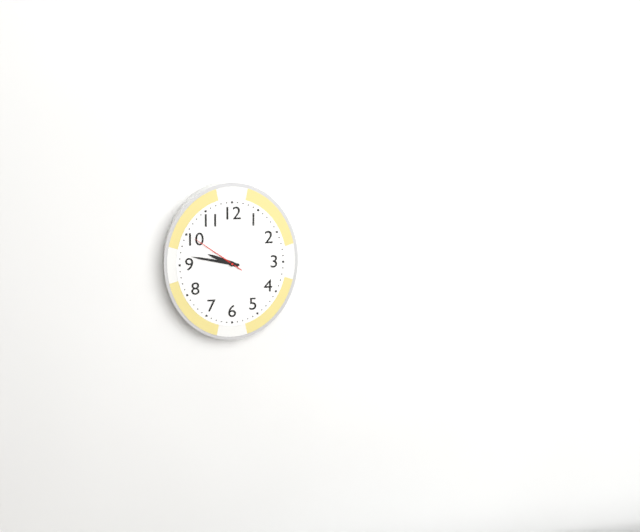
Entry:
9 h 47 min 51 s
